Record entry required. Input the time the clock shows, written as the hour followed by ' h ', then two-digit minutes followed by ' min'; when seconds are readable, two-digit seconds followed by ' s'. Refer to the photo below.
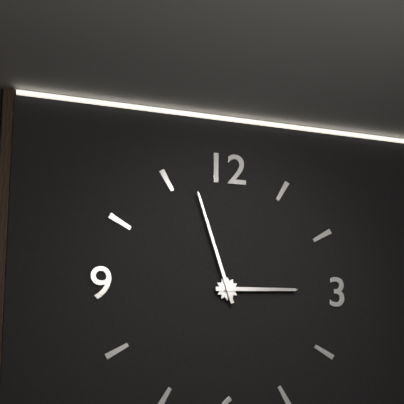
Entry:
2 h 57 min
